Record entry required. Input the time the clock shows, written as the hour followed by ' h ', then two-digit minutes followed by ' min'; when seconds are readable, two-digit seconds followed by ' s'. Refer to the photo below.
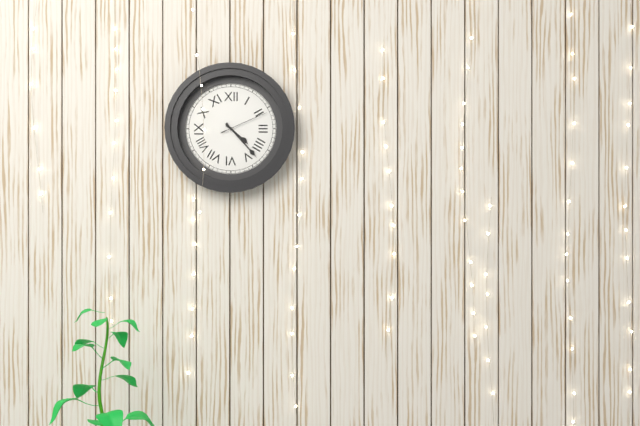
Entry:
4 h 23 min 11 s
